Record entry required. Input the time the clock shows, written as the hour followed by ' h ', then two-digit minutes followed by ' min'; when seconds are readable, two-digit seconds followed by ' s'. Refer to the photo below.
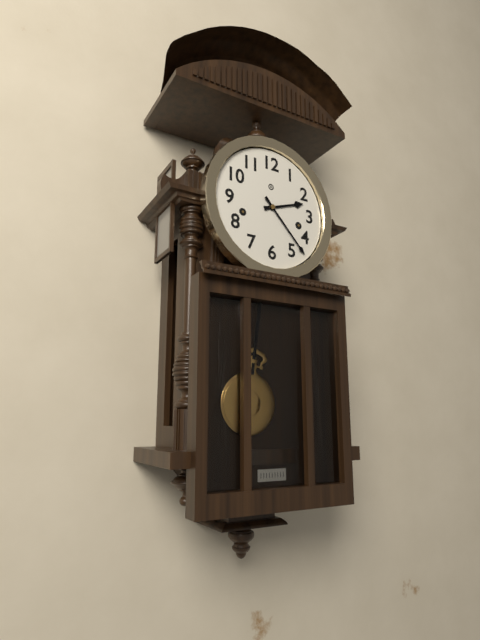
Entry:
2 h 23 min
